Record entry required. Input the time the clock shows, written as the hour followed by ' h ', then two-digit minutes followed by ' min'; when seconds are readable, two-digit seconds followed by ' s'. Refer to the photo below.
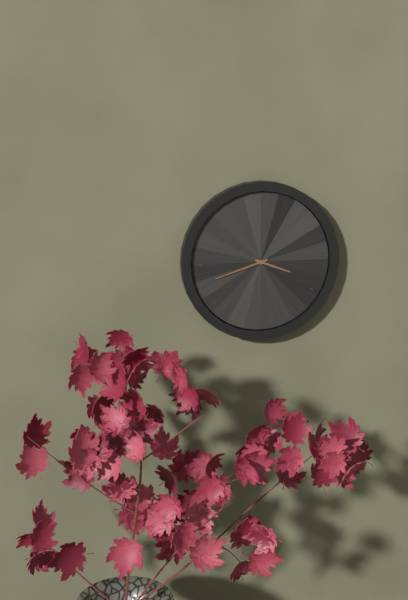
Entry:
3 h 42 min
